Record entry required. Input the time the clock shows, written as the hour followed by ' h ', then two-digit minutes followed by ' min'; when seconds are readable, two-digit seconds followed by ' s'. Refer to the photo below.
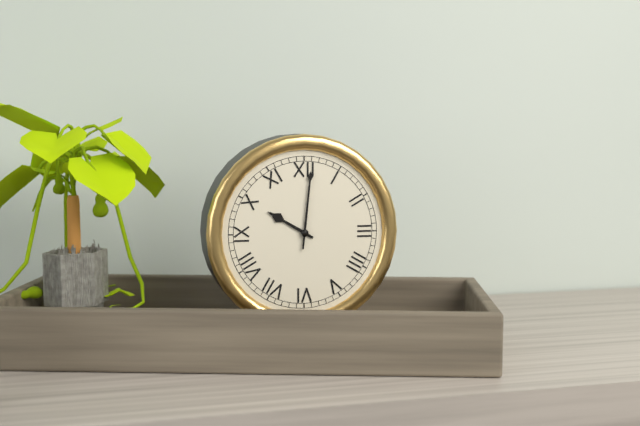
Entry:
10 h 01 min
